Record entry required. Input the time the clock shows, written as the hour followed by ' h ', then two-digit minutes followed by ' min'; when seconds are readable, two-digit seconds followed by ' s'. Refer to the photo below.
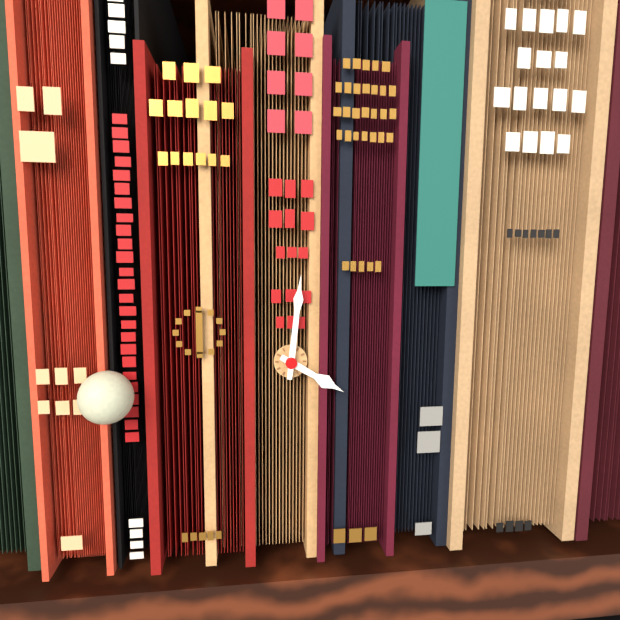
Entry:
4 h 01 min
